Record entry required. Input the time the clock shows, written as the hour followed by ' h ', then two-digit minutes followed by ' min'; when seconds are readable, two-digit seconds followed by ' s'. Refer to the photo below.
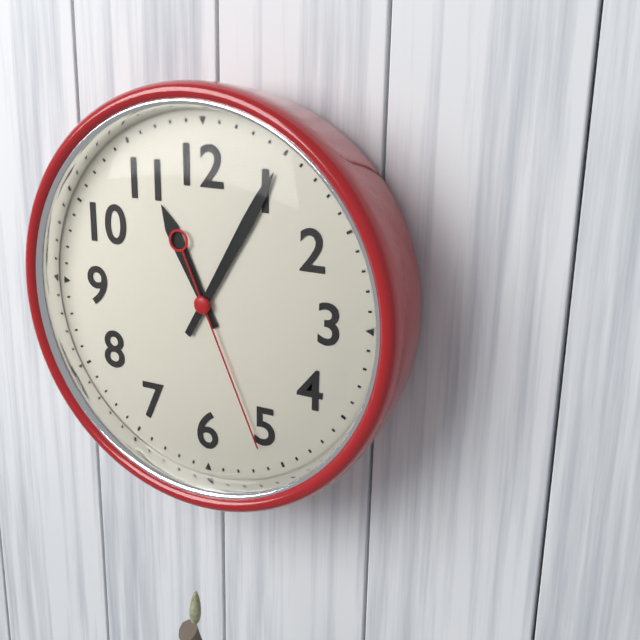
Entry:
11 h 05 min 26 s
